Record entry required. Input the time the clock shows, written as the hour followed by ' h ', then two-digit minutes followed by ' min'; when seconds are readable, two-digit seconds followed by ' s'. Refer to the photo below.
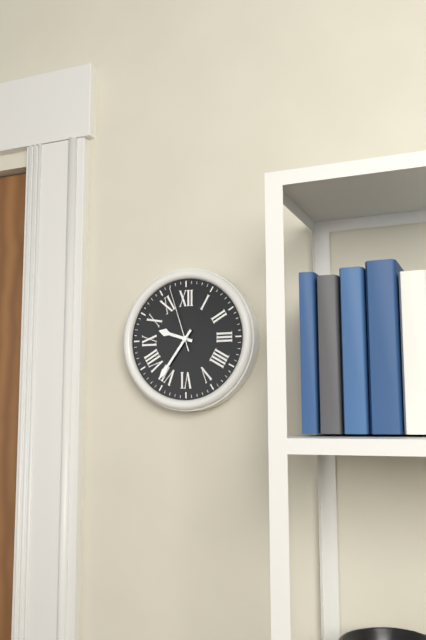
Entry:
9 h 36 min 57 s
